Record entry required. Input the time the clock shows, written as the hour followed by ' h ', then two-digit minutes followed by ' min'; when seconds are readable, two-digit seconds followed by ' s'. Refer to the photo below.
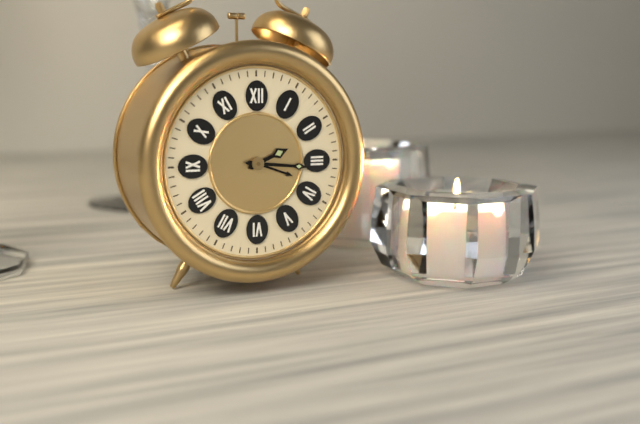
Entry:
2 h 16 min
